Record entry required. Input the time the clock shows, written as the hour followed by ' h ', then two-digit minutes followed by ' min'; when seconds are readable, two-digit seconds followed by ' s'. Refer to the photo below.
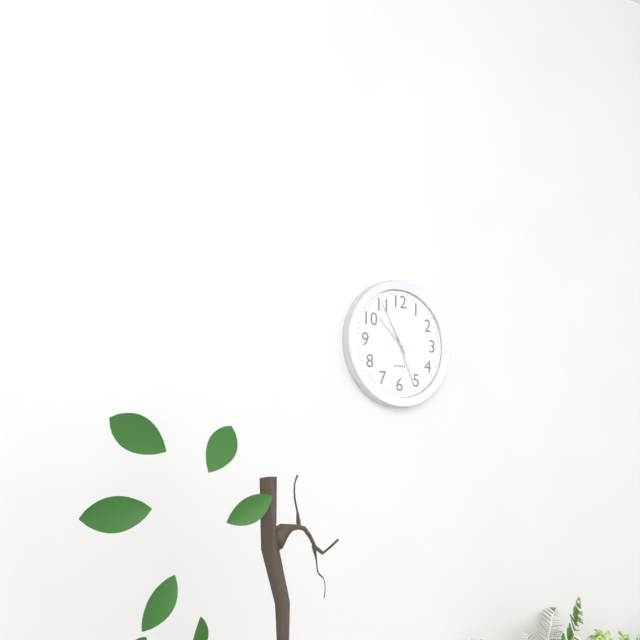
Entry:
10 h 26 min 55 s
